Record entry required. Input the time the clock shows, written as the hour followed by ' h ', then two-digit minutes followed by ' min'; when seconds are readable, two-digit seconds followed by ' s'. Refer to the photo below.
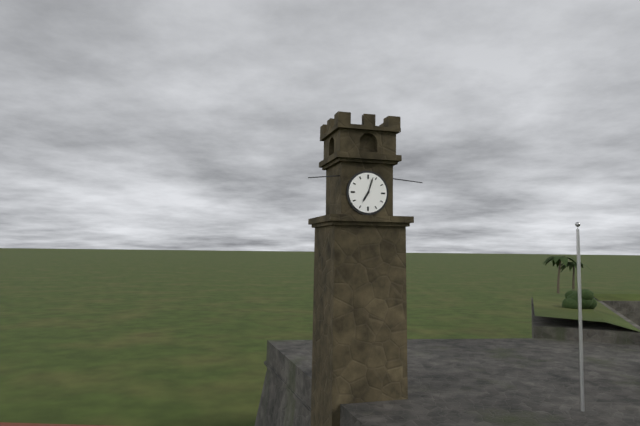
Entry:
7 h 03 min
